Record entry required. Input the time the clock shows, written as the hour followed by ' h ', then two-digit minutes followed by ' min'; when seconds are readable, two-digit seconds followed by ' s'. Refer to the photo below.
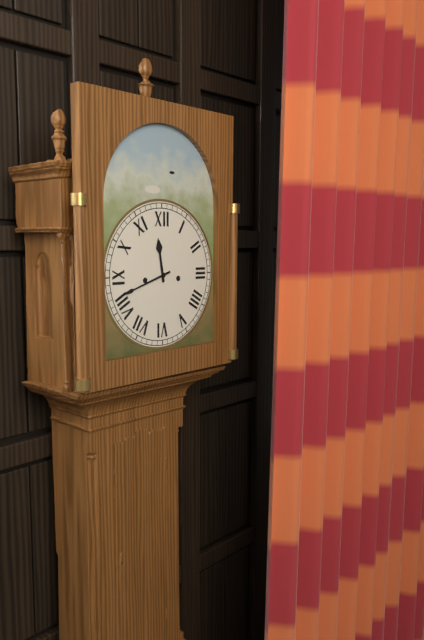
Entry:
11 h 42 min
